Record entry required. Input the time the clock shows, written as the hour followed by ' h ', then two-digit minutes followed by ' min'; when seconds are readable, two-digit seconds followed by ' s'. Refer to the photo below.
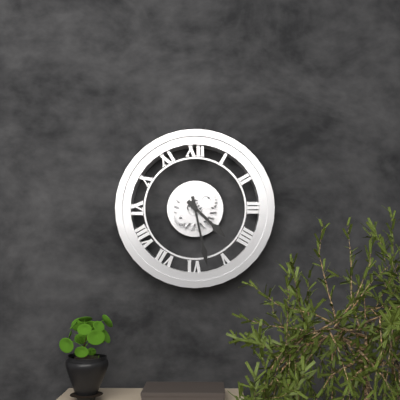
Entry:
4 h 28 min
